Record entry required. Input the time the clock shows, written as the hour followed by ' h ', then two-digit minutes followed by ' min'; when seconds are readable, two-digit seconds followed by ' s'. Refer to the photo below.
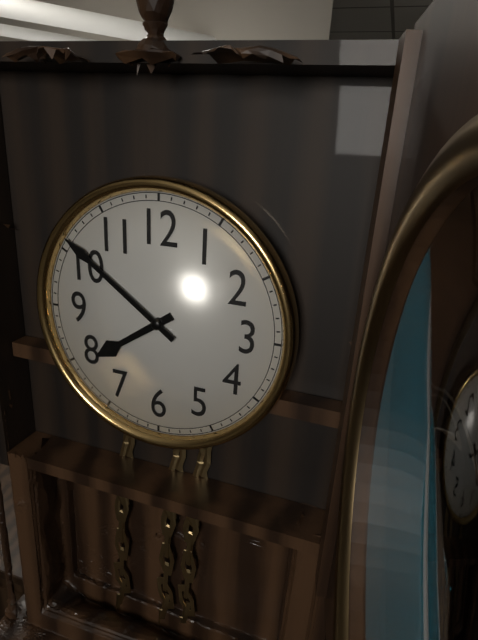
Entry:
7 h 51 min
